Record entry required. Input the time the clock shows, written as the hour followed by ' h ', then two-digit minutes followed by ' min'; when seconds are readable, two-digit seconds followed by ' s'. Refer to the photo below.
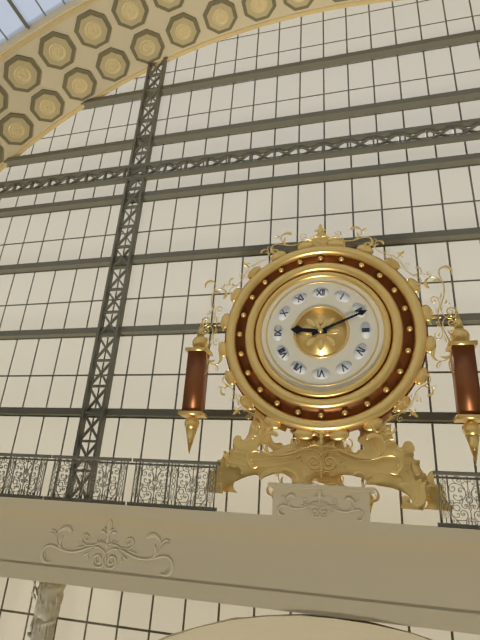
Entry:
9 h 11 min
